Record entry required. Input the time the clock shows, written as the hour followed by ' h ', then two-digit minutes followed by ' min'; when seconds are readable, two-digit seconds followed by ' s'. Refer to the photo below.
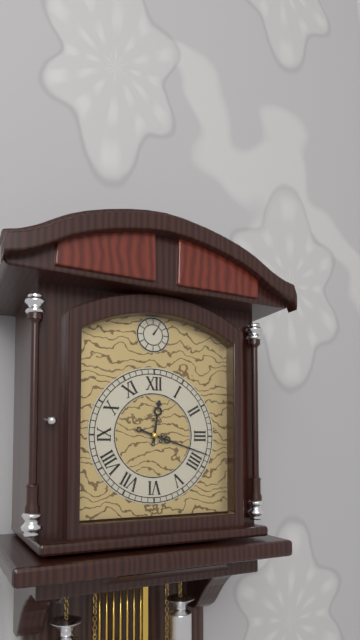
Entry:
12 h 18 min
